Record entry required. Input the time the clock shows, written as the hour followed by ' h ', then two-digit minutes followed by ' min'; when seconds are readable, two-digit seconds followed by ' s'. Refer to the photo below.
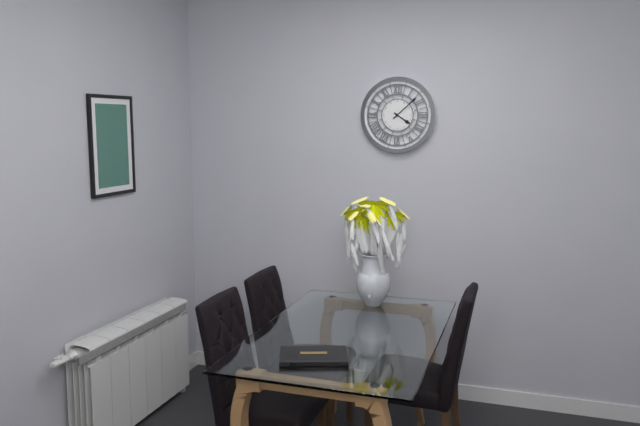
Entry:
4 h 08 min
